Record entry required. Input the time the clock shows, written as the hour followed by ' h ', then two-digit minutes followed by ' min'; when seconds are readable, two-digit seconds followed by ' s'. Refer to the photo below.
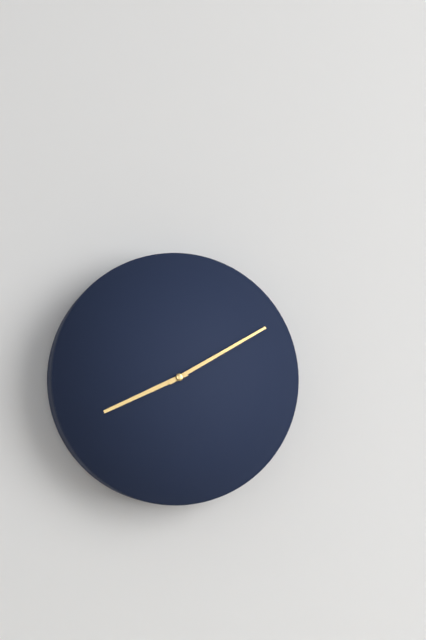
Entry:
8 h 10 min
